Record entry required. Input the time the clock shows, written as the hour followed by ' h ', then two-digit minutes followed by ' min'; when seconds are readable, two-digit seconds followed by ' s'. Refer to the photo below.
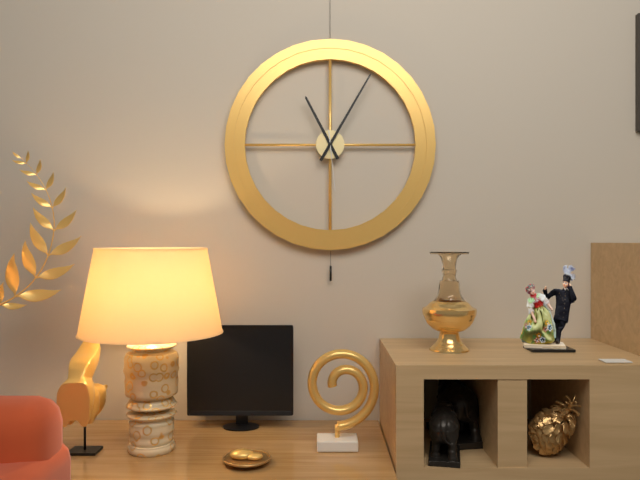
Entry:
11 h 05 min 29 s
